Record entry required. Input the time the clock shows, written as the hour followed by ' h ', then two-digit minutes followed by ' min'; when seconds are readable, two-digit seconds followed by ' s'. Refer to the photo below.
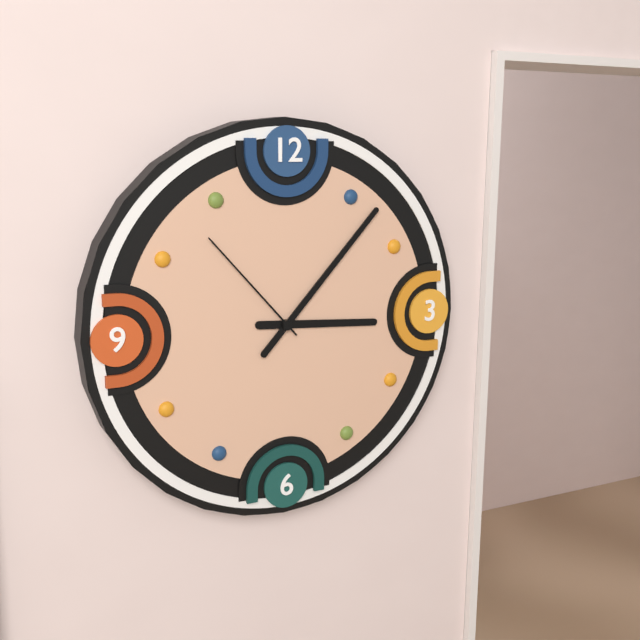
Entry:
3 h 07 min 53 s
